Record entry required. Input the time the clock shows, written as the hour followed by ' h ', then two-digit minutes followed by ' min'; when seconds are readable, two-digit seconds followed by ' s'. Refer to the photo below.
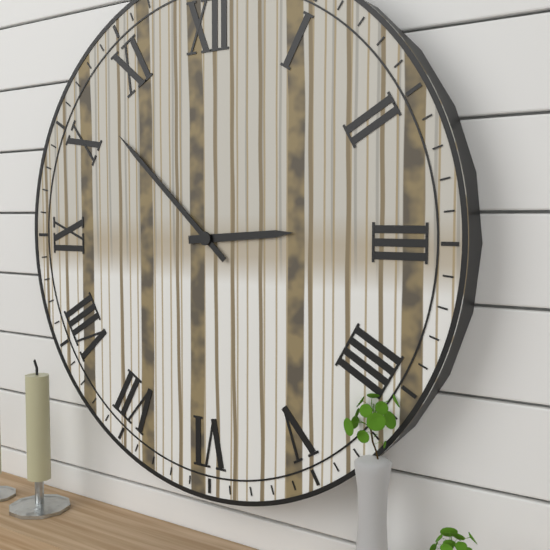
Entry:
2 h 52 min
